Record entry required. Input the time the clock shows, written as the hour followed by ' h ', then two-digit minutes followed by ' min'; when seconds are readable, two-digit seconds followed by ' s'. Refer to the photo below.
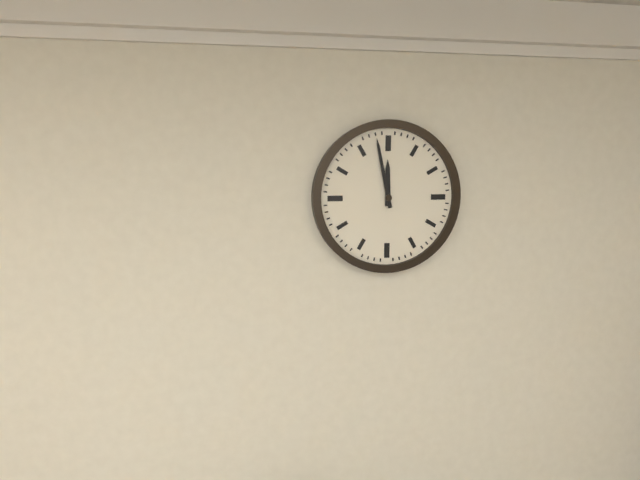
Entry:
11 h 58 min
